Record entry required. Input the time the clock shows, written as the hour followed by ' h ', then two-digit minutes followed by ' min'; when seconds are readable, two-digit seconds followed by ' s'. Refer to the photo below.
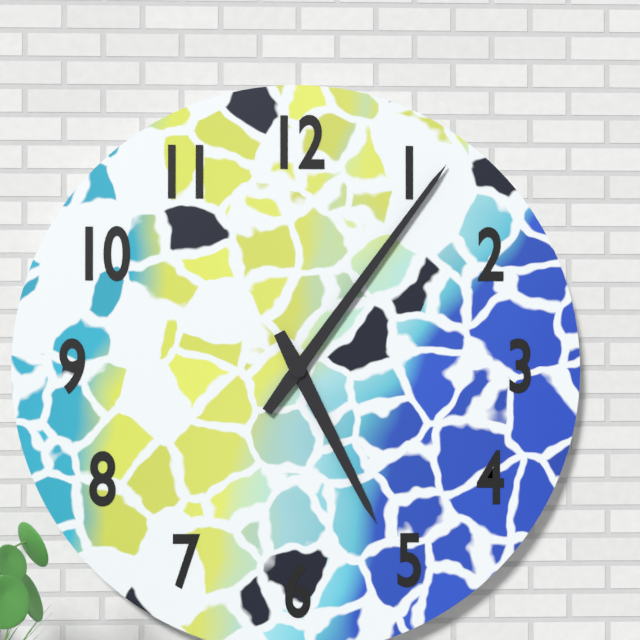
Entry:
5 h 06 min
